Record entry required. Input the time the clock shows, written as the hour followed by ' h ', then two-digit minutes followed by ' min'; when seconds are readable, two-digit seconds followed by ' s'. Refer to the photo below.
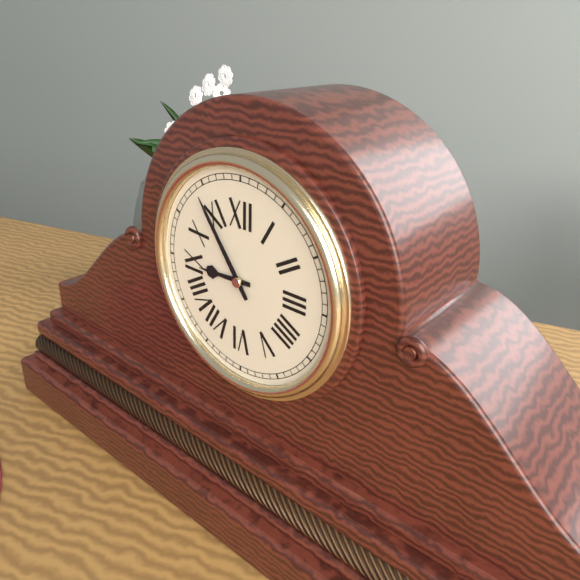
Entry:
8 h 54 min
